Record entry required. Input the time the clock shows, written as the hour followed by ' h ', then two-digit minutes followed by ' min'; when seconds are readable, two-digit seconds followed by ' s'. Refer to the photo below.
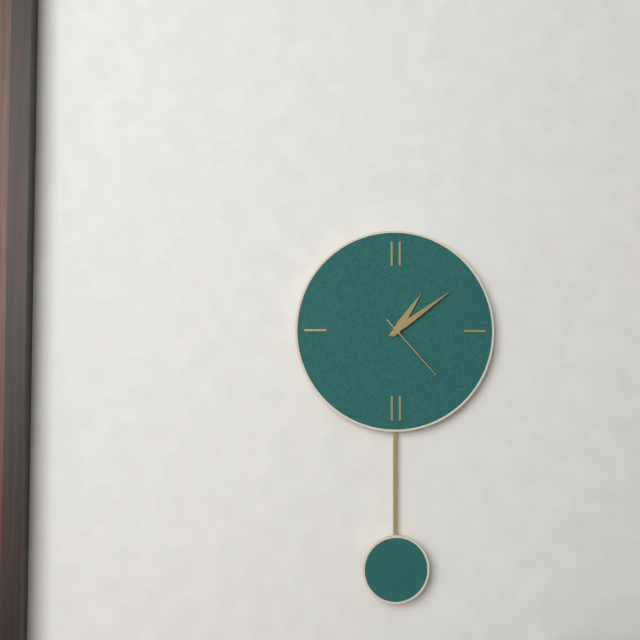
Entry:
1 h 09 min 23 s
